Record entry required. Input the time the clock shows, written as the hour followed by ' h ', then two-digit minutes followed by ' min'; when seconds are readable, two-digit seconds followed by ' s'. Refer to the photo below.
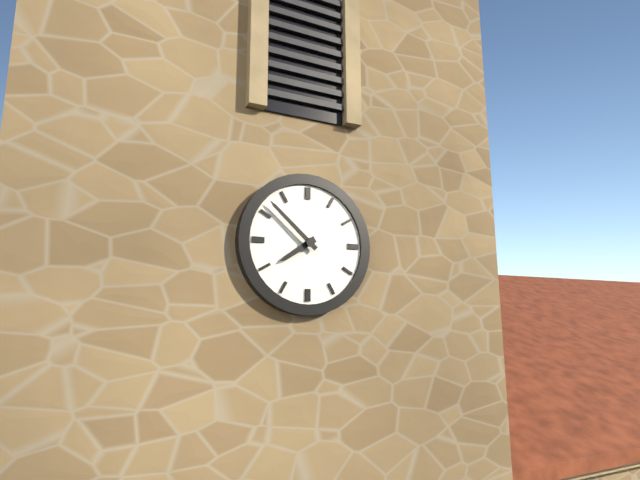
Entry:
7 h 52 min
